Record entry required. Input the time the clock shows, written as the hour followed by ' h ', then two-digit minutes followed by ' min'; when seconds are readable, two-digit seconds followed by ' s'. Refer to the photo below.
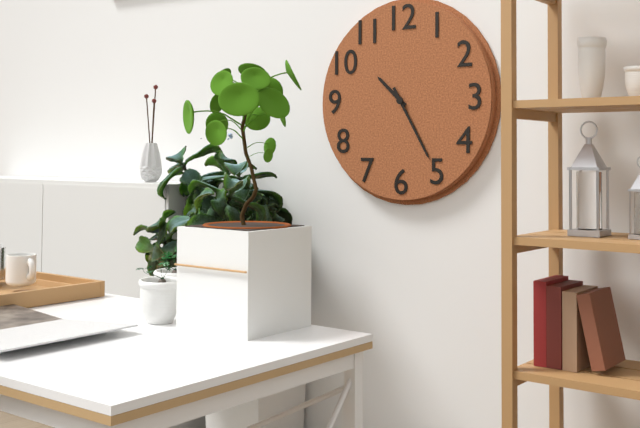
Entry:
10 h 25 min
